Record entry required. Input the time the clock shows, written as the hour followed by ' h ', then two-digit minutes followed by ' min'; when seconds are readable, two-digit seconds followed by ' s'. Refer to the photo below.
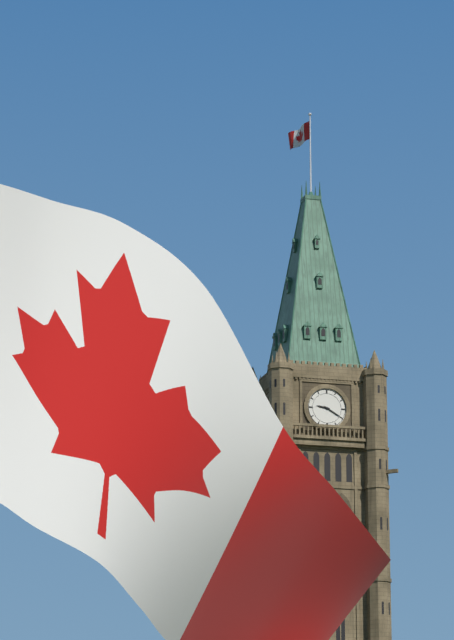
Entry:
9 h 20 min
